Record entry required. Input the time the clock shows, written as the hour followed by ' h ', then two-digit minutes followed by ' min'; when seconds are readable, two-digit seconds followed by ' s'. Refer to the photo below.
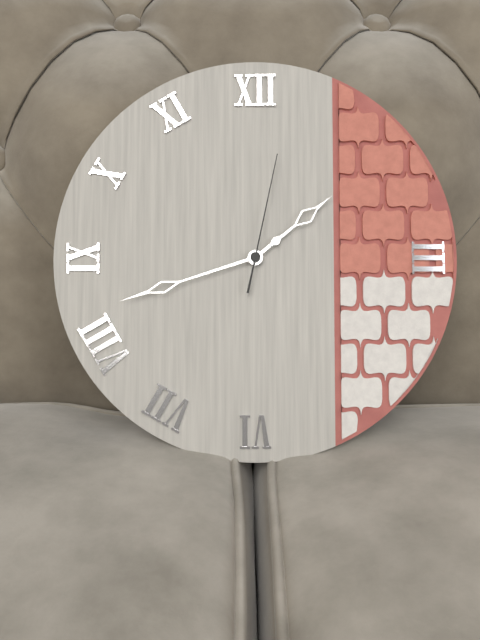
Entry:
1 h 42 min 02 s
